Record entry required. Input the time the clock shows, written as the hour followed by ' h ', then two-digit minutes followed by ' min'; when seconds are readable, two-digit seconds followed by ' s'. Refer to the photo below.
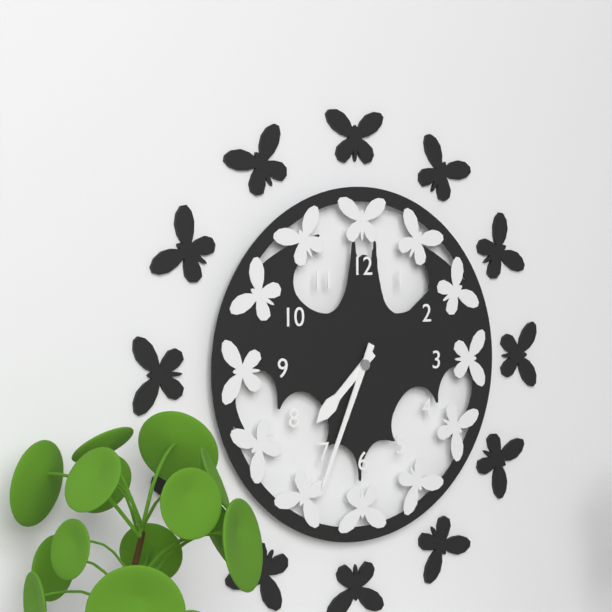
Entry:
7 h 34 min
